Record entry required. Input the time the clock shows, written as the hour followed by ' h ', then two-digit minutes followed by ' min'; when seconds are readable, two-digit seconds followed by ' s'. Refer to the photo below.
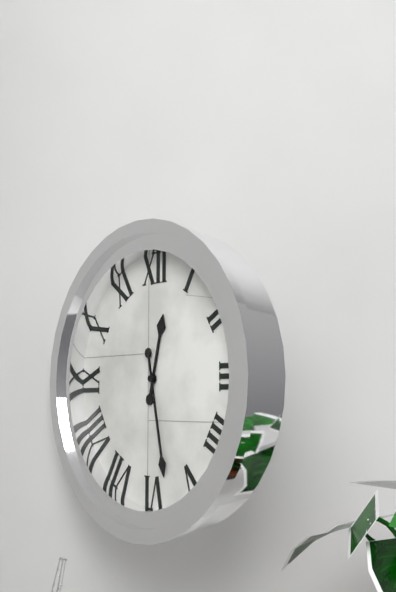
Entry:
12 h 28 min
